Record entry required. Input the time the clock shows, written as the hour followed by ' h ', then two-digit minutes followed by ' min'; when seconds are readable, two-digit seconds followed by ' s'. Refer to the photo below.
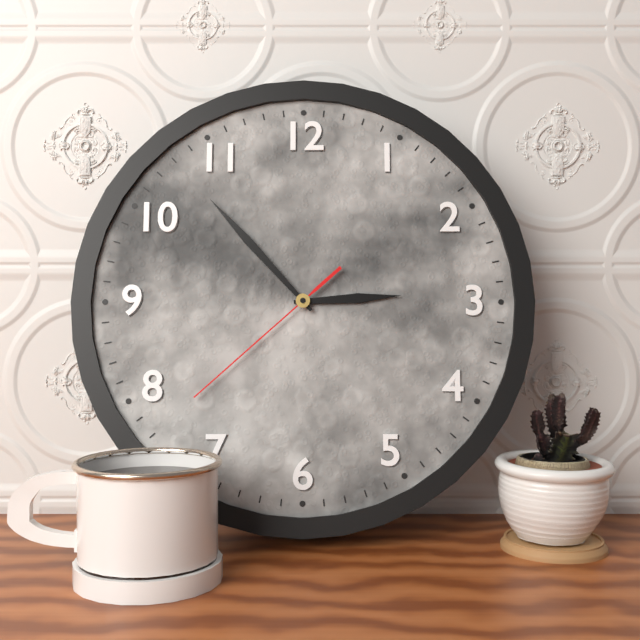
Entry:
2 h 53 min 38 s
